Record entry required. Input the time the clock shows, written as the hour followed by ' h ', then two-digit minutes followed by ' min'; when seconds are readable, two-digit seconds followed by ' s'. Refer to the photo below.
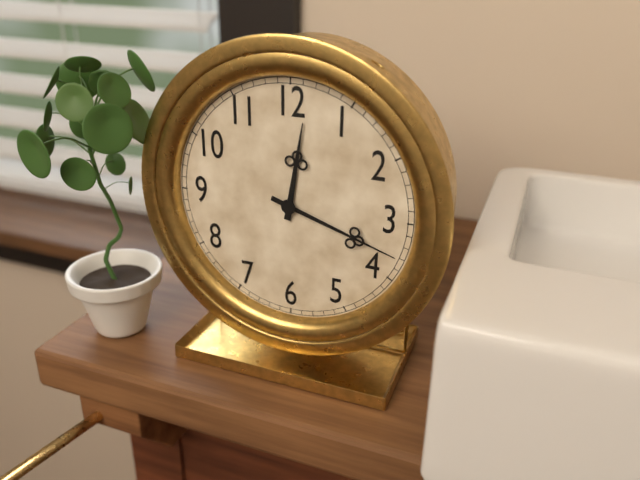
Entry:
12 h 18 min
